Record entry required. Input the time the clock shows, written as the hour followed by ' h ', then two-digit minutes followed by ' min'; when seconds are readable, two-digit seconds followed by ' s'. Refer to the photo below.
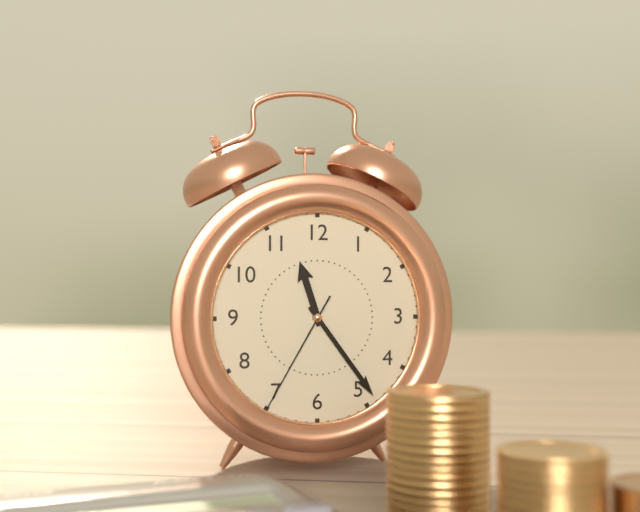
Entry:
11 h 24 min 35 s
